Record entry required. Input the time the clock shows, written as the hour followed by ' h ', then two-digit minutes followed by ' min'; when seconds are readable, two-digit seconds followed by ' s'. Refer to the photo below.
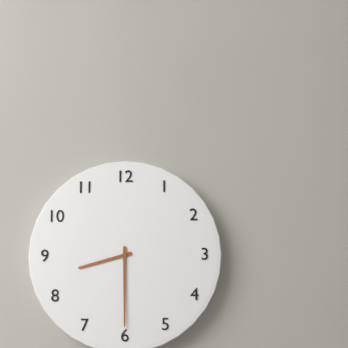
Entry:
8 h 30 min
